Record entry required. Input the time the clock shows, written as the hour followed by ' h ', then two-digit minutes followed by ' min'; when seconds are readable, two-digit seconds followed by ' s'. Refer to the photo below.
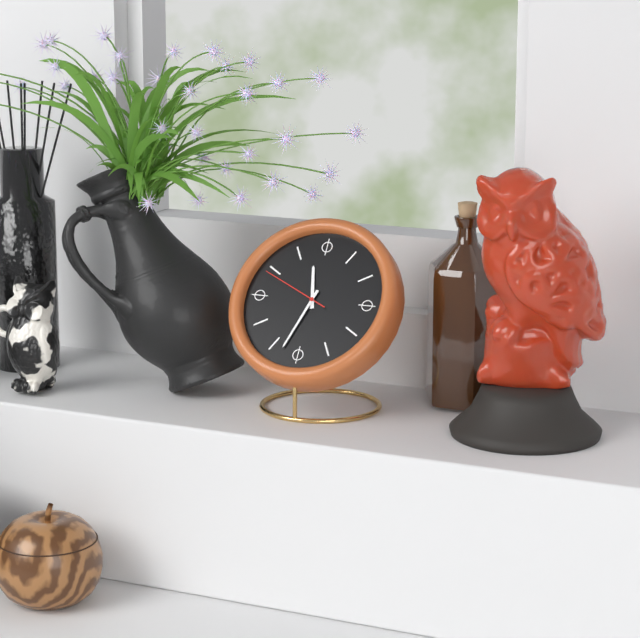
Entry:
11 h 33 min 49 s
